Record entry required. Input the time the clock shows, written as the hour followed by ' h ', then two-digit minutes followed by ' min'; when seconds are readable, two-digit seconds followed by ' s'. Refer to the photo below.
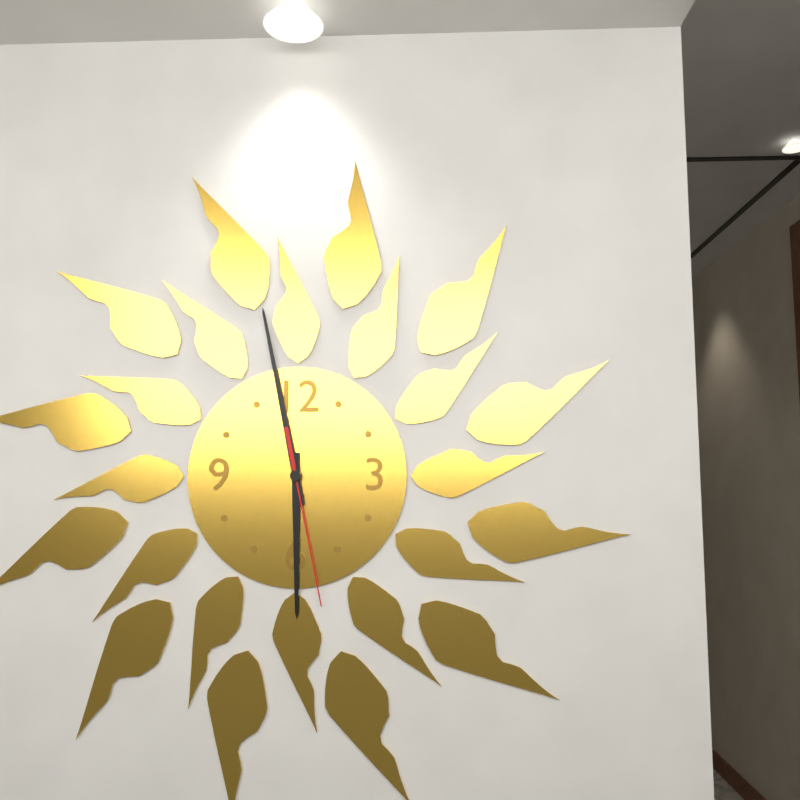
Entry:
5 h 58 min 28 s
